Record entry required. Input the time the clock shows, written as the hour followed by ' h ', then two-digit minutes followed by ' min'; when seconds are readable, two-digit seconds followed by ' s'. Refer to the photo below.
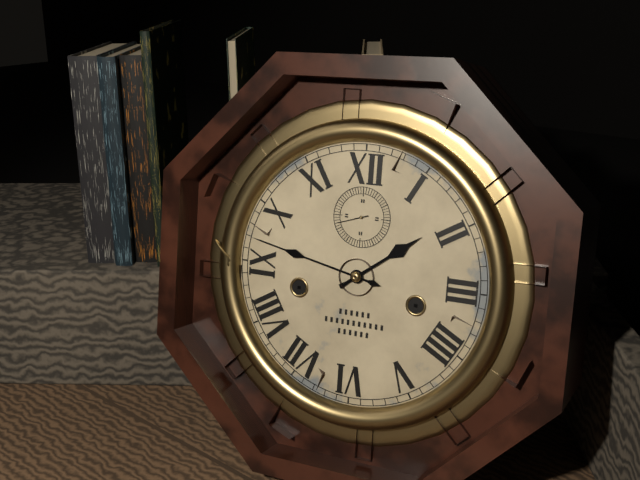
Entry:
1 h 47 min
